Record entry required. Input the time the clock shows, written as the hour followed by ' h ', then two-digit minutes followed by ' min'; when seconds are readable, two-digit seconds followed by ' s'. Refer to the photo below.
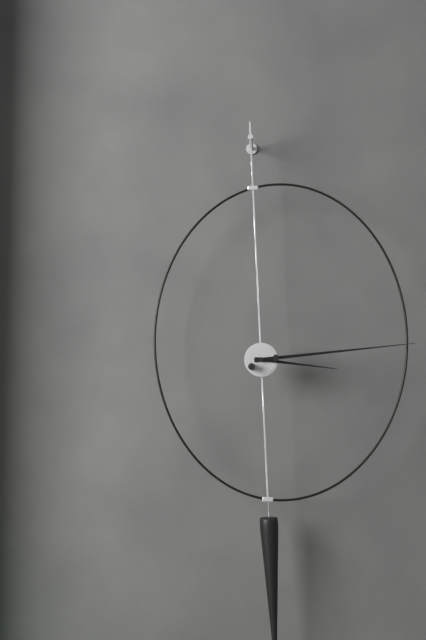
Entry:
3 h 14 min
